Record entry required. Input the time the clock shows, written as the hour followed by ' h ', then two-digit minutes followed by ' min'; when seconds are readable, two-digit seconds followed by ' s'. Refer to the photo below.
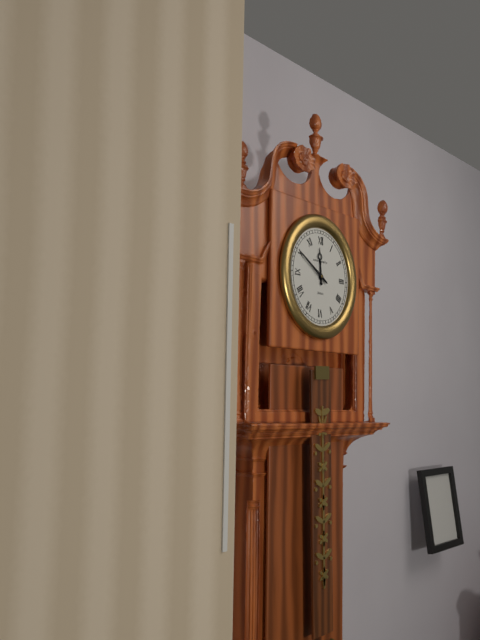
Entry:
11 h 50 min
